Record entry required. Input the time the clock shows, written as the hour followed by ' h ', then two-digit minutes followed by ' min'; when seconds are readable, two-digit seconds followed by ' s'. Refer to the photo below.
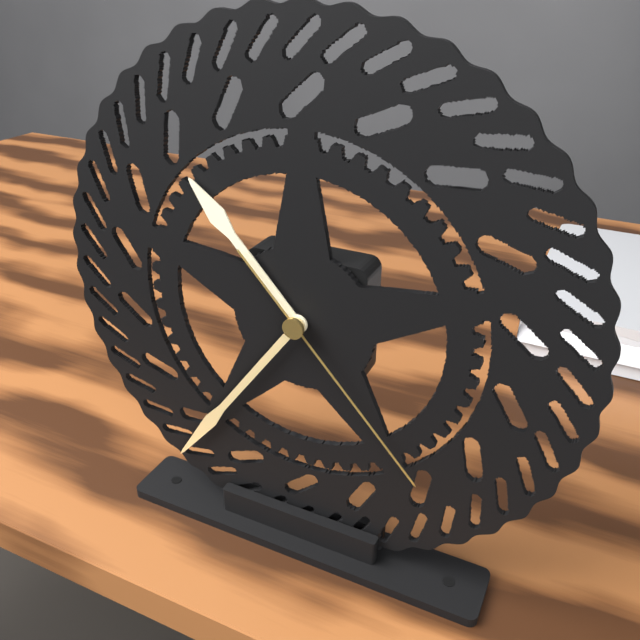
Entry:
10 h 36 min 23 s
